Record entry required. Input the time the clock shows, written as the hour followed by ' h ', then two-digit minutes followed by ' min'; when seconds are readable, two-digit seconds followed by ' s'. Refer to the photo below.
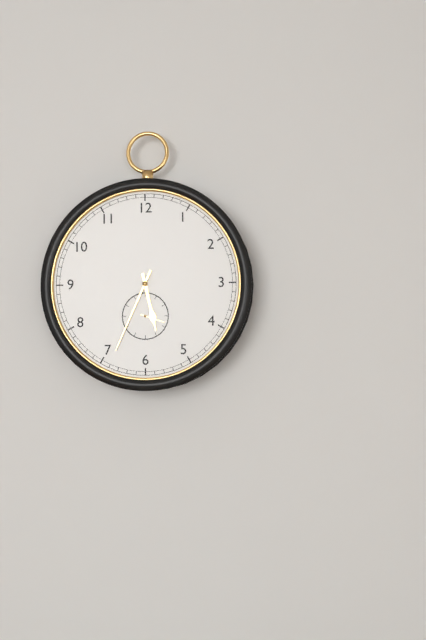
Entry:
5 h 34 min
